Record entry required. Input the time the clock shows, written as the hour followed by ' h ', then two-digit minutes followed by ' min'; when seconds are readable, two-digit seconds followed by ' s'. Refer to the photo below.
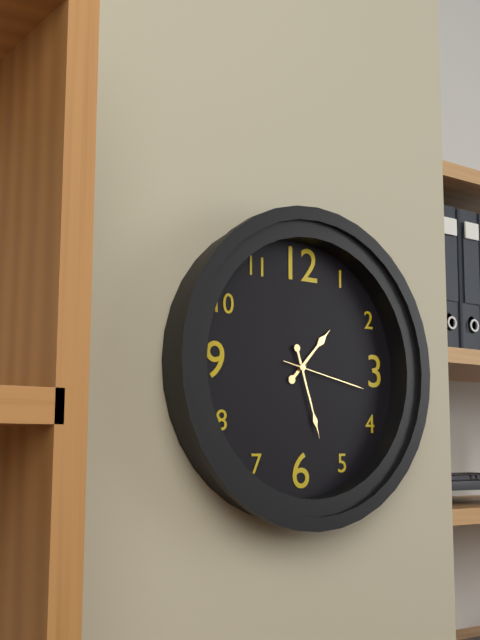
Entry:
1 h 27 min 17 s
